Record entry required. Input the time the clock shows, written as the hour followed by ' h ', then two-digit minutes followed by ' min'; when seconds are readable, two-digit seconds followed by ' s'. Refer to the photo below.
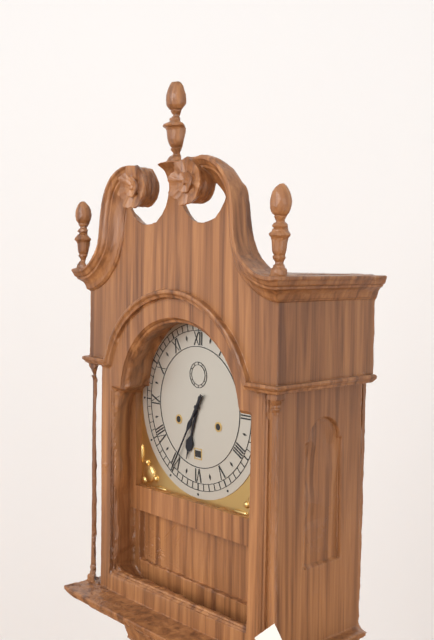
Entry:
6 h 35 min
